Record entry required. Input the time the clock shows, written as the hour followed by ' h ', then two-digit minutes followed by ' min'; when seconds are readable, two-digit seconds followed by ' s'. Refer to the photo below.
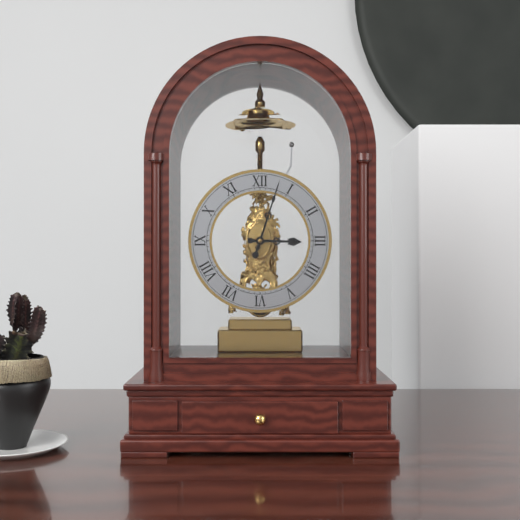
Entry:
3 h 03 min
